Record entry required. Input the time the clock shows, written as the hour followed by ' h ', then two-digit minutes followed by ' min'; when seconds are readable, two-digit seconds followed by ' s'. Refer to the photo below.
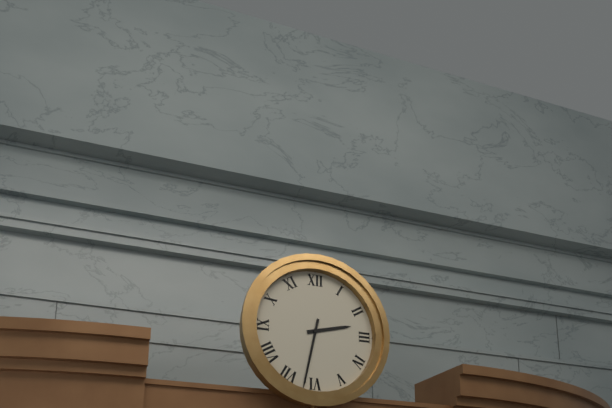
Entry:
2 h 32 min
